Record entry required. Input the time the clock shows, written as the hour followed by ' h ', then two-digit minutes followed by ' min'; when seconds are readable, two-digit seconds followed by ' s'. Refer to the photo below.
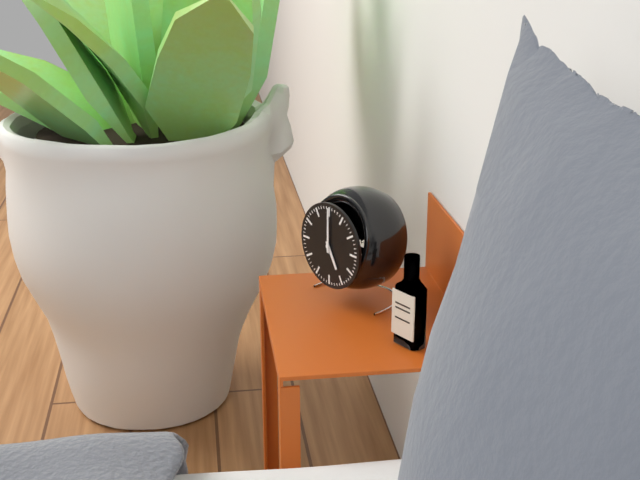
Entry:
5 h 00 min
